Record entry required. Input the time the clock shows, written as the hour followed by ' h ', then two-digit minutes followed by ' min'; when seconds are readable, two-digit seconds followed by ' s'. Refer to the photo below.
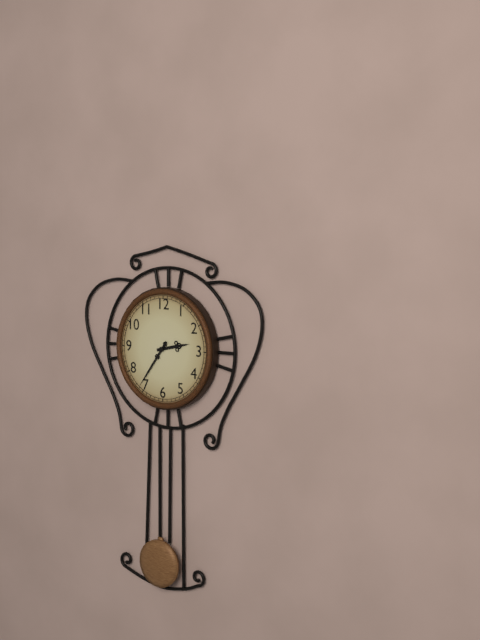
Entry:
2 h 36 min
